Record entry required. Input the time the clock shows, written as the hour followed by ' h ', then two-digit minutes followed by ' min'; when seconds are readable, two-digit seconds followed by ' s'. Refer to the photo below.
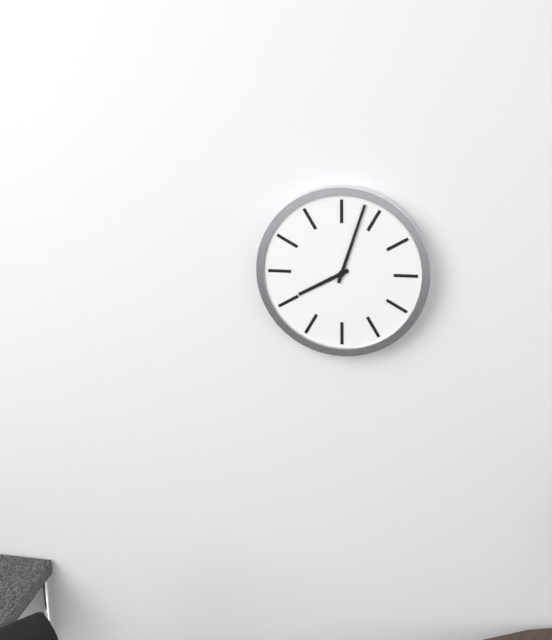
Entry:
8 h 03 min
